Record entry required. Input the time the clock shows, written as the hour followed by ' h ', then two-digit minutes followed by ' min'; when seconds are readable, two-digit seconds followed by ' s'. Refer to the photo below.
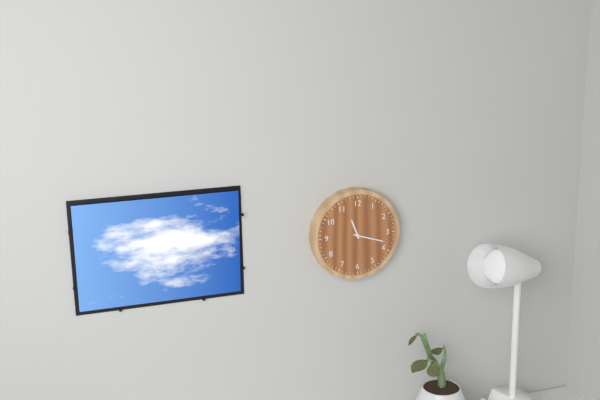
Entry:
11 h 18 min
